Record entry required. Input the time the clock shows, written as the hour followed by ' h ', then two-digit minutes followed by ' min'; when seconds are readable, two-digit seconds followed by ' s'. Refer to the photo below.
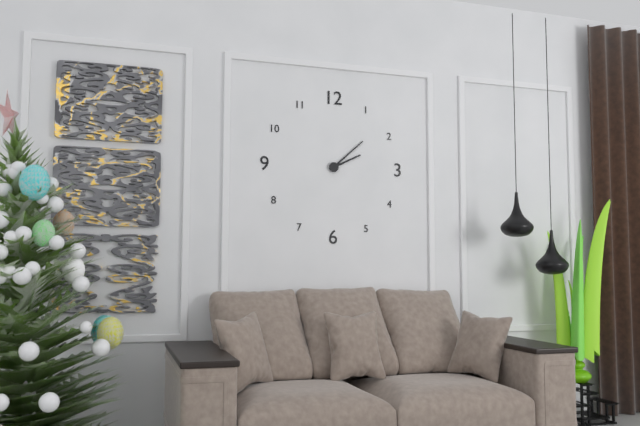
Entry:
2 h 08 min
